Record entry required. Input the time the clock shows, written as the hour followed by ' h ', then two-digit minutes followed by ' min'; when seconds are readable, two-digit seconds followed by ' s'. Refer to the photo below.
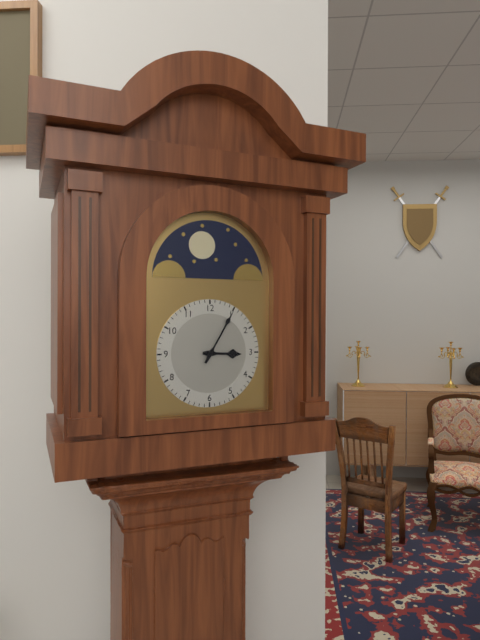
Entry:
3 h 05 min
